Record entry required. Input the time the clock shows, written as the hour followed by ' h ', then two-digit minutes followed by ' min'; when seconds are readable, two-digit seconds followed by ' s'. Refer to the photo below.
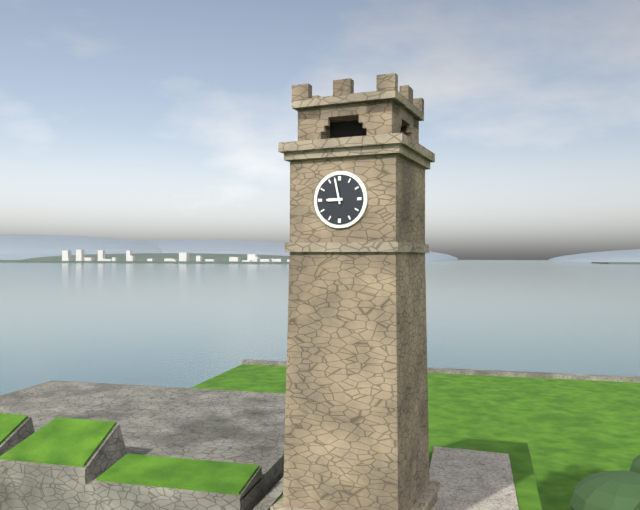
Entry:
8 h 58 min
